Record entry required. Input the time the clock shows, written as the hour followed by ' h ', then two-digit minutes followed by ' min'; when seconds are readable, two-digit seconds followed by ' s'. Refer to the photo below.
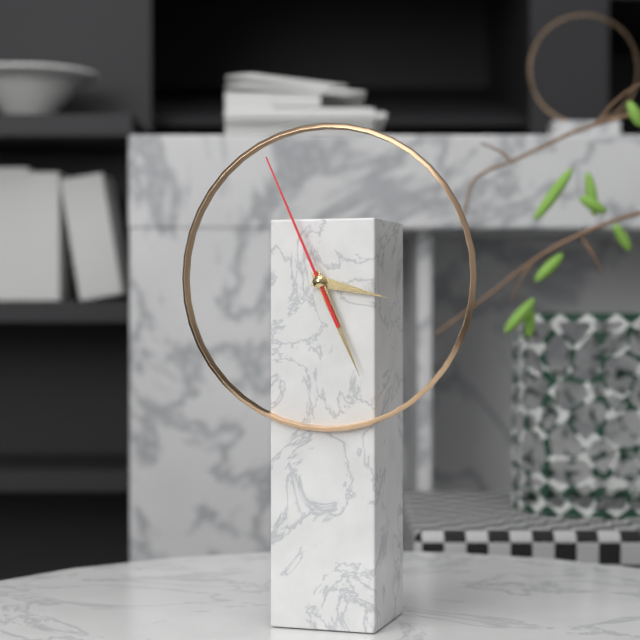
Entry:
3 h 26 min 56 s
